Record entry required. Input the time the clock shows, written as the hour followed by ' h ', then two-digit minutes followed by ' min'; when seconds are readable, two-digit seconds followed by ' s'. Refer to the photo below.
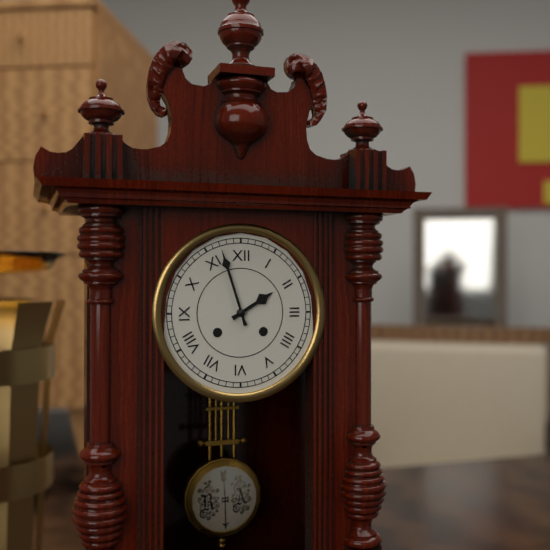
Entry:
1 h 57 min
